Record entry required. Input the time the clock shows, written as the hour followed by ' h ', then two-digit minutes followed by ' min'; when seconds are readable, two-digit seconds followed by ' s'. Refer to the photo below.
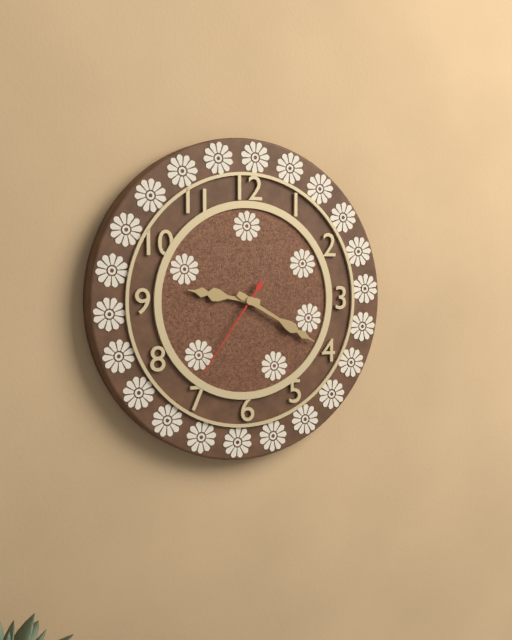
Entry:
9 h 20 min 36 s
